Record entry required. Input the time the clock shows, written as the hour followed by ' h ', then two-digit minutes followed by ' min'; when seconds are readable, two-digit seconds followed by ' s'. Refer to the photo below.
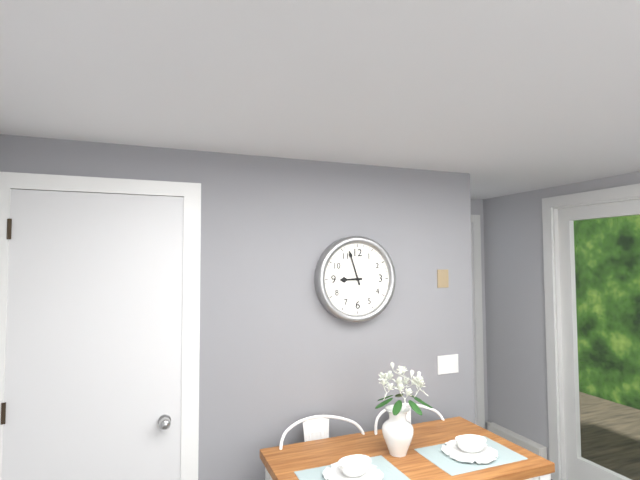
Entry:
8 h 57 min
